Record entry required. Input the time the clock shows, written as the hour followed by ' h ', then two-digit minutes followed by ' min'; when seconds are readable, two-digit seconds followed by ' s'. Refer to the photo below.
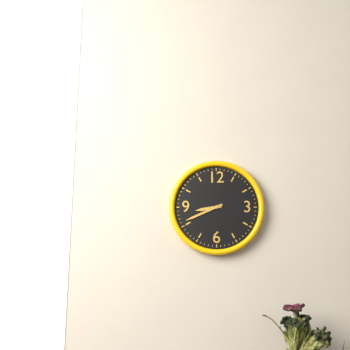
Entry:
8 h 41 min
